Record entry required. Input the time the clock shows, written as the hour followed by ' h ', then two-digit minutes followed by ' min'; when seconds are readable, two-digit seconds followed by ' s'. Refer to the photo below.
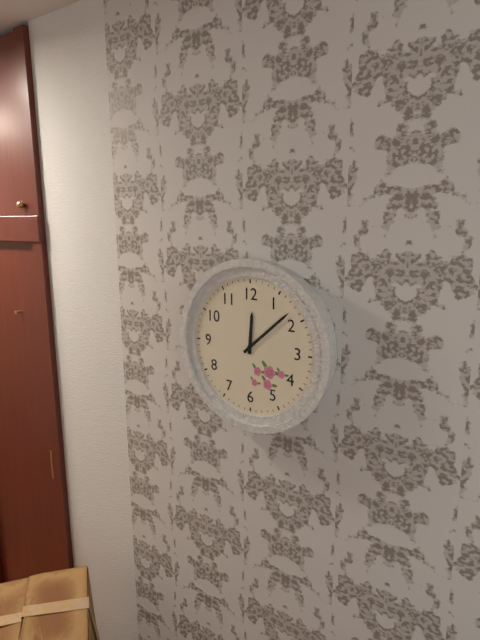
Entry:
12 h 08 min
